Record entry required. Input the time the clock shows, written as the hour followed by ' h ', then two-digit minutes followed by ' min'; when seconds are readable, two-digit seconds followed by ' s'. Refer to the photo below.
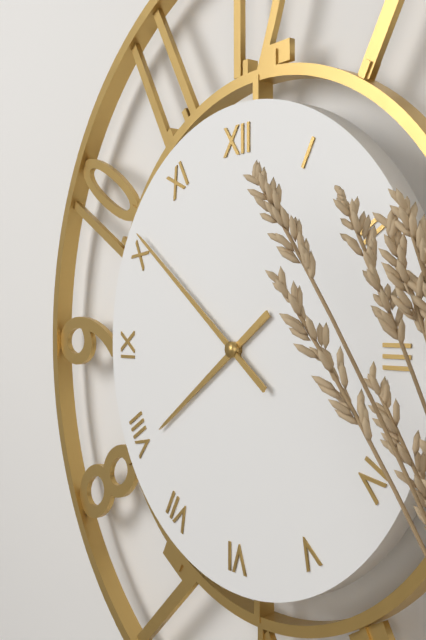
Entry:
7 h 51 min
